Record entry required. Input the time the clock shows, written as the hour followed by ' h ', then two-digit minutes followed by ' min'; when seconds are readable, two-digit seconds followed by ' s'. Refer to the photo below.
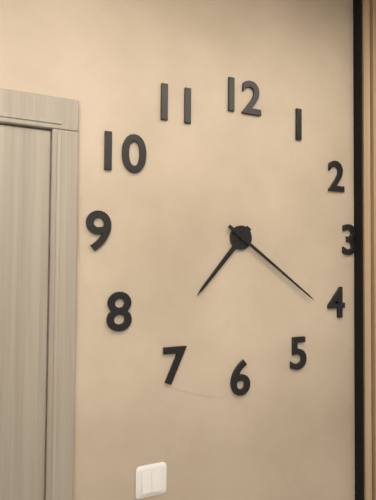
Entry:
7 h 21 min
